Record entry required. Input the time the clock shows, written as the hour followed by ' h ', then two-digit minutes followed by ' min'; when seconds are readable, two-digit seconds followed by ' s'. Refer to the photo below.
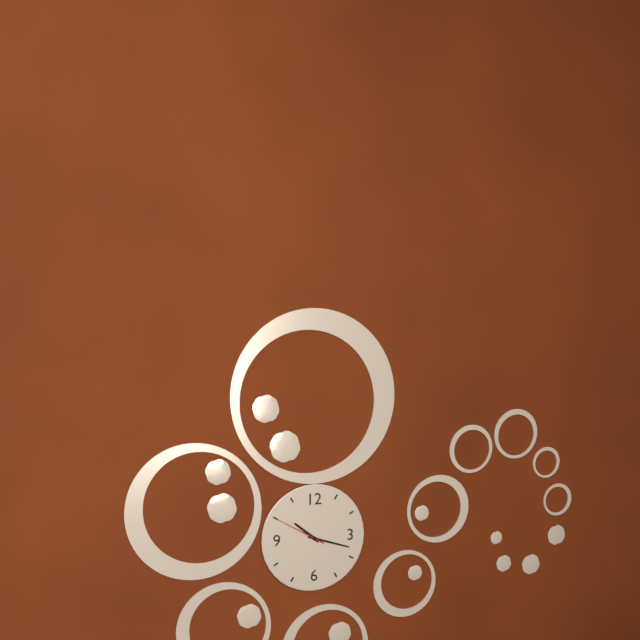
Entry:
10 h 18 min
